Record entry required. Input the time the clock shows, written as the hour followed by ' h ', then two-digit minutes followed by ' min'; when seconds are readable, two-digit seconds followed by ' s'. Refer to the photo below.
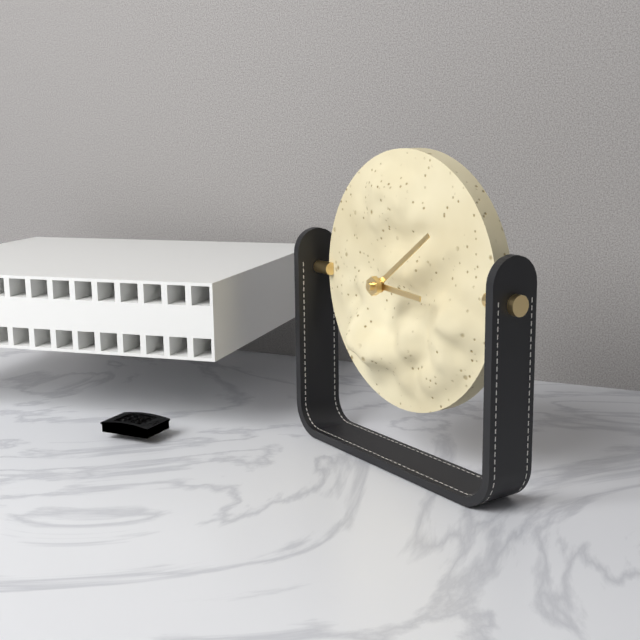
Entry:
3 h 09 min
